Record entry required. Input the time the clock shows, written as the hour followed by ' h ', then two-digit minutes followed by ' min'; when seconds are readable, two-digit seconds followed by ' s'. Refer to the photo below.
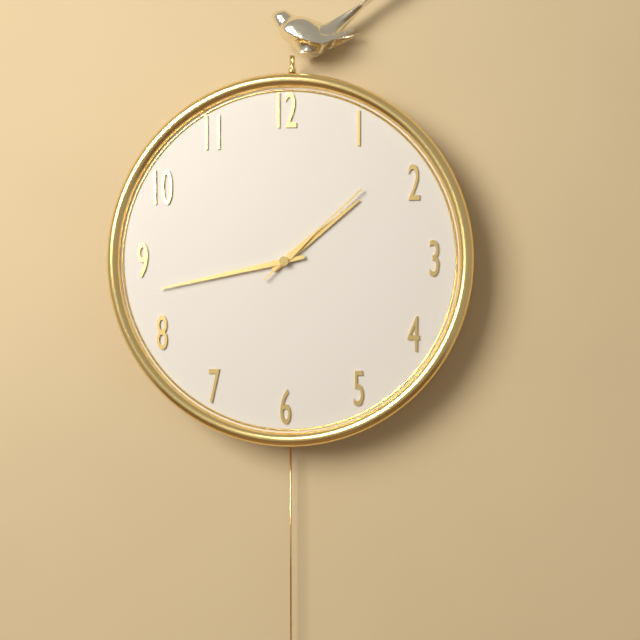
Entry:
1 h 43 min 08 s
